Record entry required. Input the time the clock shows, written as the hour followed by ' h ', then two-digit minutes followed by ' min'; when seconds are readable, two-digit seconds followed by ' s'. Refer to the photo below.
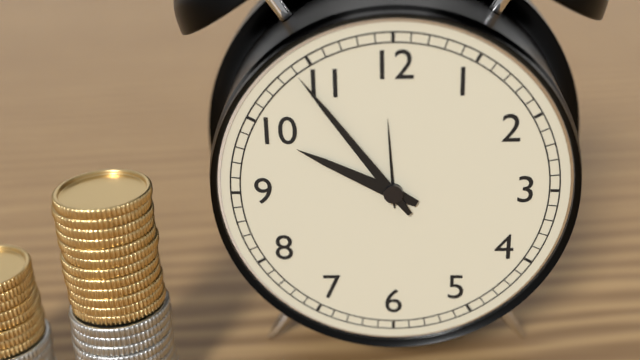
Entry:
9 h 54 min
